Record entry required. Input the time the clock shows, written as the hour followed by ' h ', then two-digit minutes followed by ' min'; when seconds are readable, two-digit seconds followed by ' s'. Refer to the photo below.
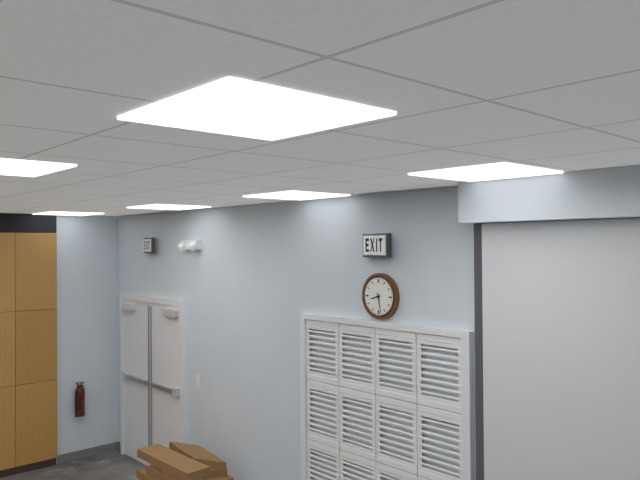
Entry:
8 h 28 min
